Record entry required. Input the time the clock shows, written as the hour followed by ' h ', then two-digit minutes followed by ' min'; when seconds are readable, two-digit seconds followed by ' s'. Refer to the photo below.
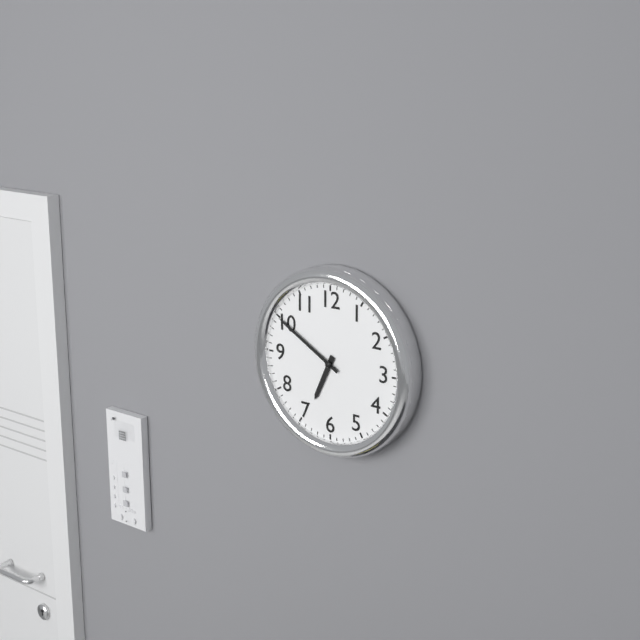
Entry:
6 h 50 min
